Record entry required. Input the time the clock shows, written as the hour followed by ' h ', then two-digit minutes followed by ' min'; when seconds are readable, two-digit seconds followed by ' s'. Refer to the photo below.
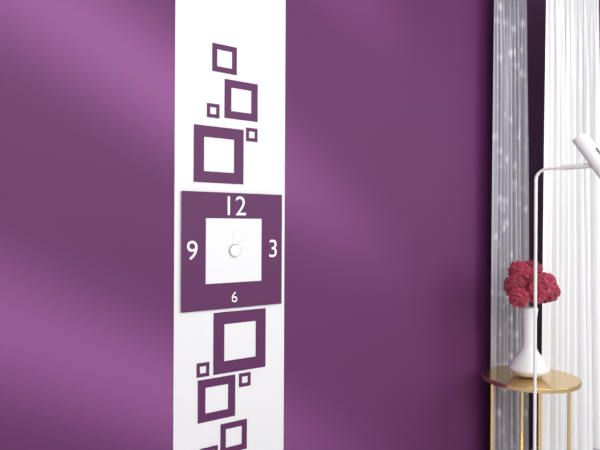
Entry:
12 h 07 min
